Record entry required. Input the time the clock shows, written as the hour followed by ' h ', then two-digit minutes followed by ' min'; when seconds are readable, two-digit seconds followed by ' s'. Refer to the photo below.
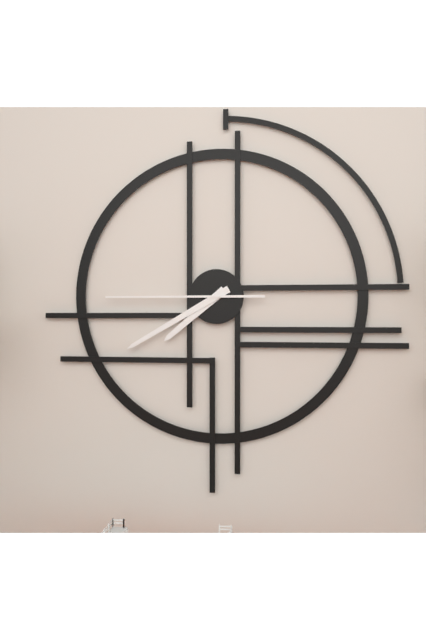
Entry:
7 h 40 min 45 s
